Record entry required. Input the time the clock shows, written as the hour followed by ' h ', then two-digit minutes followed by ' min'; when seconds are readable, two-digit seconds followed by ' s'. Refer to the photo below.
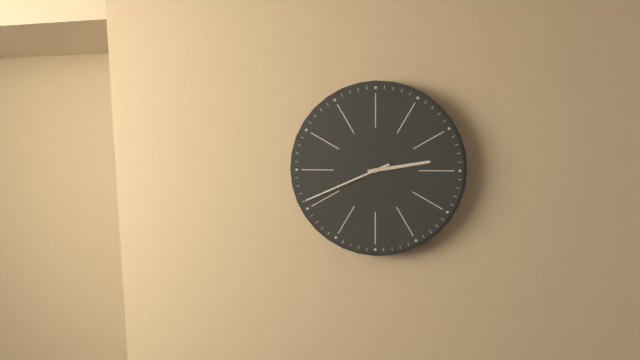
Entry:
2 h 41 min
